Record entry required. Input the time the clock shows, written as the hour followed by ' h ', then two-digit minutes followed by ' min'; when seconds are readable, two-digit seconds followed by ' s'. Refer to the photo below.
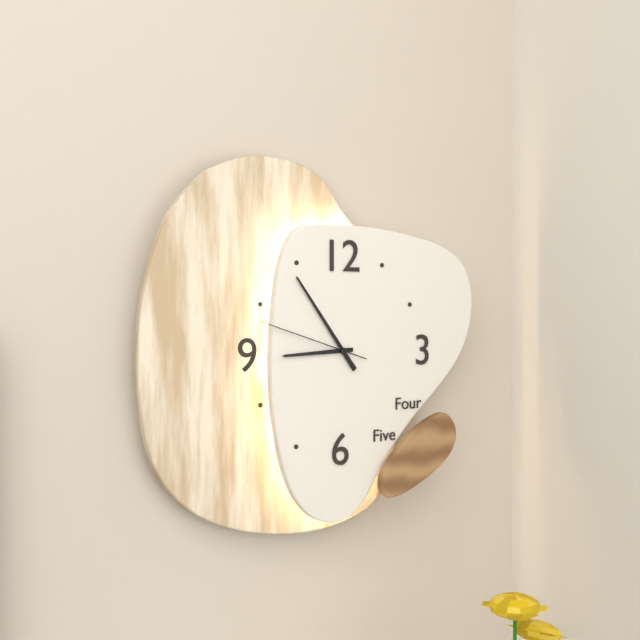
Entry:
8 h 54 min 48 s
